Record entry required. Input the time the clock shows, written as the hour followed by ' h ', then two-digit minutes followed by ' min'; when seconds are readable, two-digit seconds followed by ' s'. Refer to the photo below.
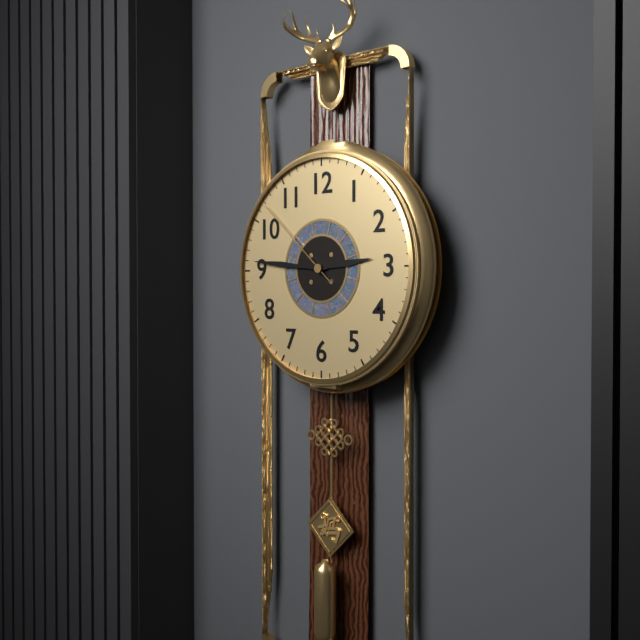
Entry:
2 h 46 min 52 s
